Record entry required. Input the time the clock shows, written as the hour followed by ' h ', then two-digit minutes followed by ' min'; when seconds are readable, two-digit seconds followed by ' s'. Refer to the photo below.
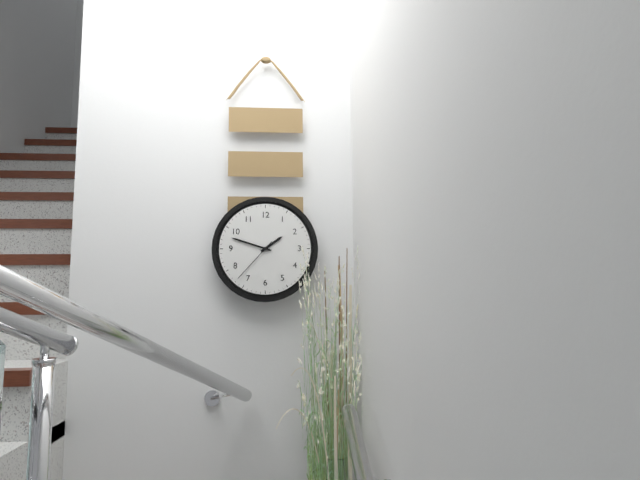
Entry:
1 h 48 min 37 s
